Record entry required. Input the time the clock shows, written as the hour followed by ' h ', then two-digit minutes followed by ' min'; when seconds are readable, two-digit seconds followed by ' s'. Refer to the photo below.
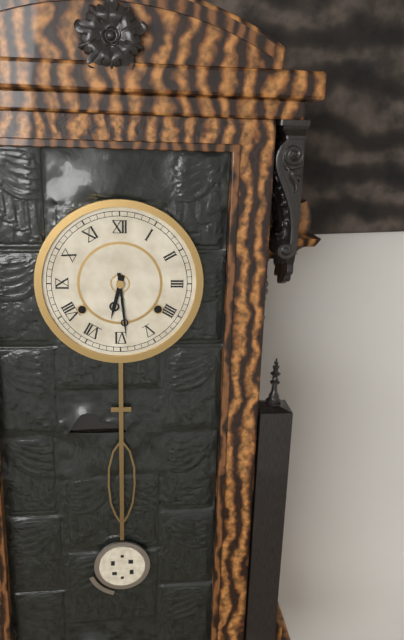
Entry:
6 h 29 min
